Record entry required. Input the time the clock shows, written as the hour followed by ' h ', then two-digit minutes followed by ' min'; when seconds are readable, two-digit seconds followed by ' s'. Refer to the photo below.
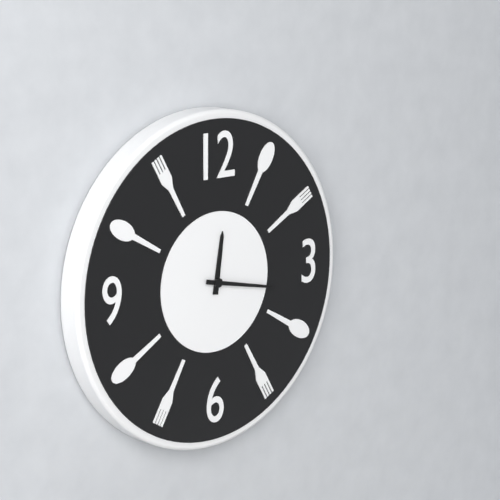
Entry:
12 h 17 min
